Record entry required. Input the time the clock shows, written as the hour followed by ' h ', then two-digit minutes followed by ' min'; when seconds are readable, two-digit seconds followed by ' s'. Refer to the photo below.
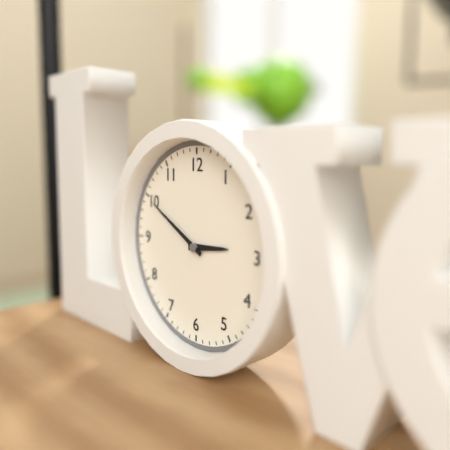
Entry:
2 h 50 min
